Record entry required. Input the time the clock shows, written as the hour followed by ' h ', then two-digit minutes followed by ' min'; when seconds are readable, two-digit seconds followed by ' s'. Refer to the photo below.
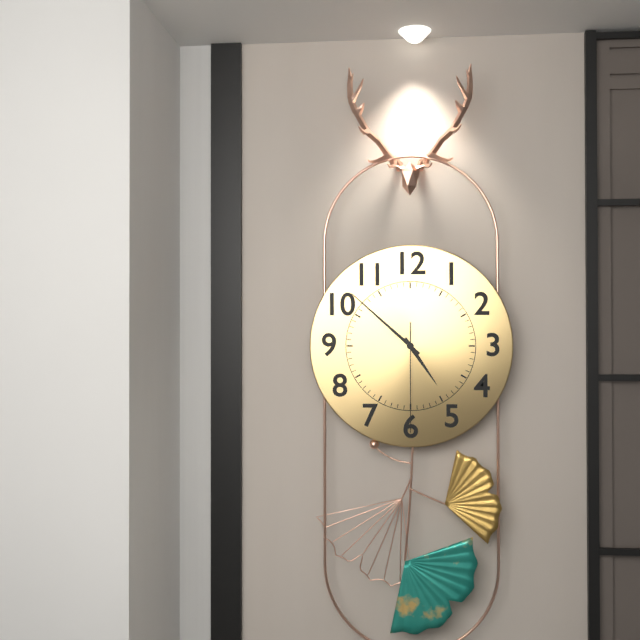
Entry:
4 h 52 min 30 s
